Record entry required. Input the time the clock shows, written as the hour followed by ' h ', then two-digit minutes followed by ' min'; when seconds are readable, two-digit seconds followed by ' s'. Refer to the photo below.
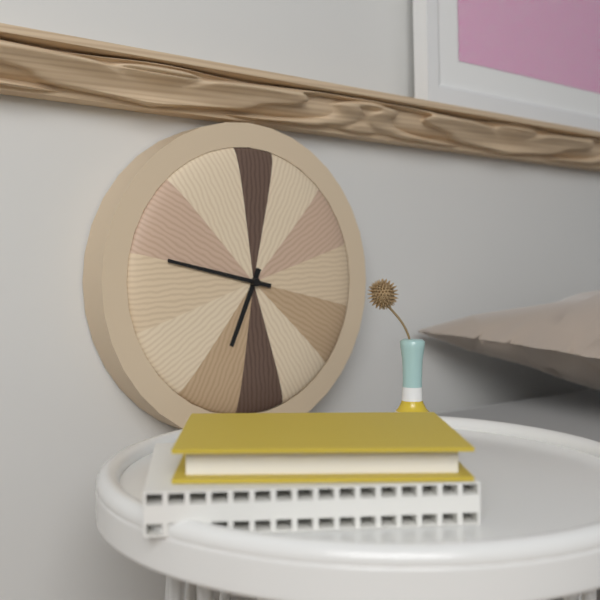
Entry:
6 h 47 min
